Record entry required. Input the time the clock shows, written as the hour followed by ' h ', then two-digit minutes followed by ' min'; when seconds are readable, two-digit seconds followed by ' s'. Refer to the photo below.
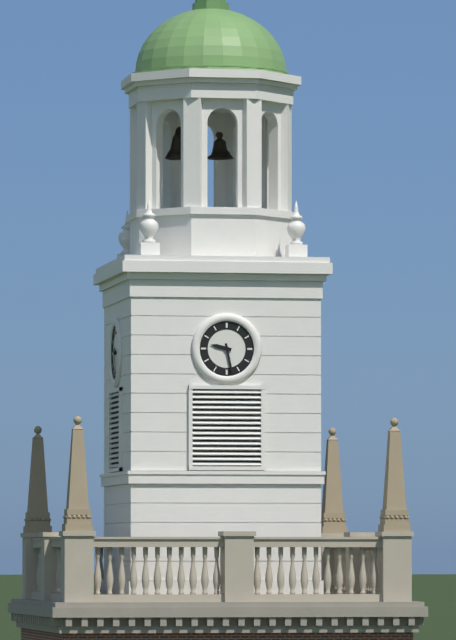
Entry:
9 h 28 min
